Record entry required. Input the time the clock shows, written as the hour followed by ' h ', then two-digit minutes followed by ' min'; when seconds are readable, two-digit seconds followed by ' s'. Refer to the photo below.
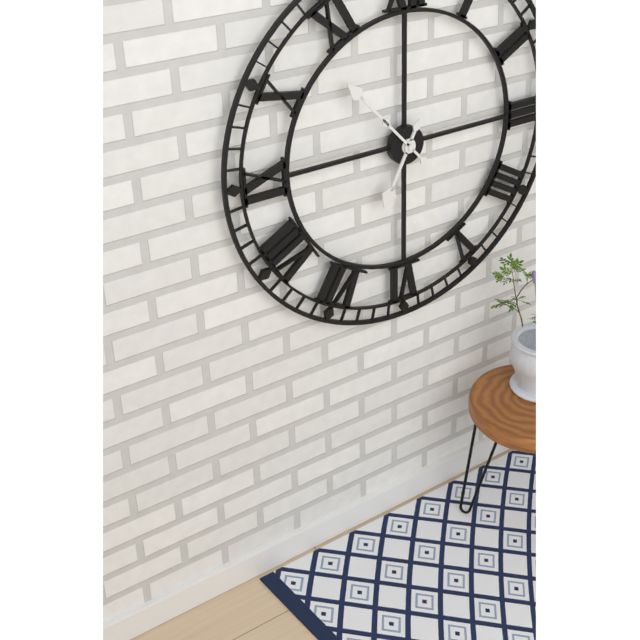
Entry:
6 h 53 min
